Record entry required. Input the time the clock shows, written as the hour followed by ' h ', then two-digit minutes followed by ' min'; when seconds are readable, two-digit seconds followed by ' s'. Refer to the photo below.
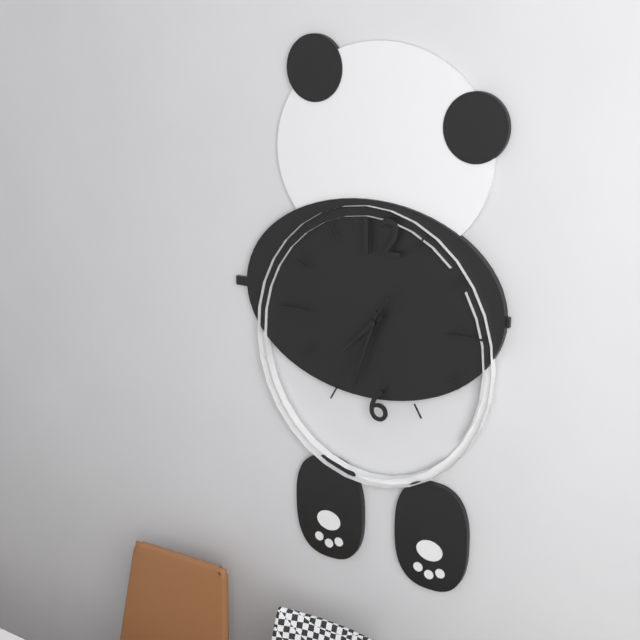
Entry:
7 h 33 min 35 s
